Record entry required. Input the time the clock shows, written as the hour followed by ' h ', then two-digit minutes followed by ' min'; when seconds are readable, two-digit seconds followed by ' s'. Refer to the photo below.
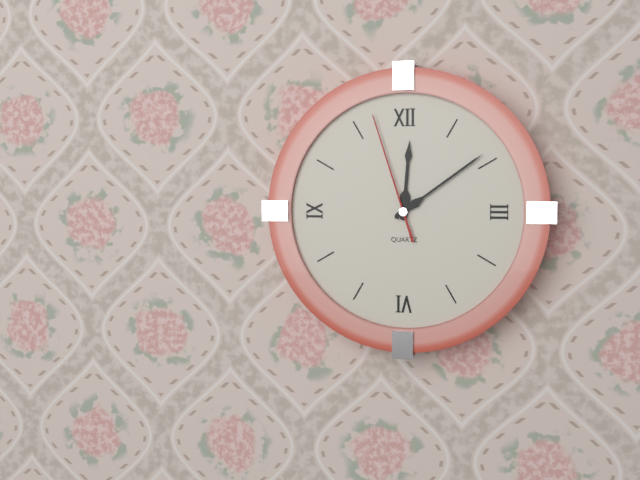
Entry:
12 h 09 min 57 s
